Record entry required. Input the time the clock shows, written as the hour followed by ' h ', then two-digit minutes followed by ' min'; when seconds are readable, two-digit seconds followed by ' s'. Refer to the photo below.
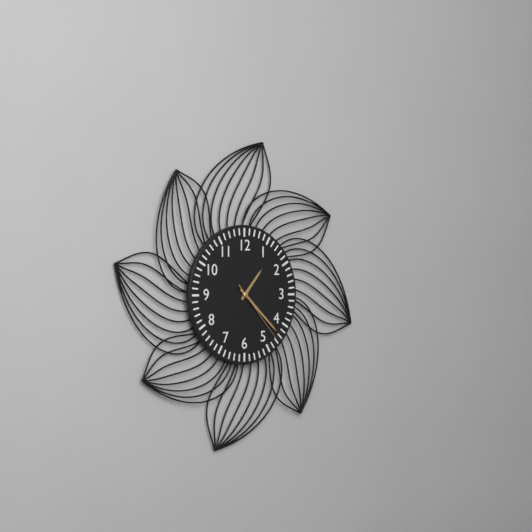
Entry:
1 h 22 min 23 s
